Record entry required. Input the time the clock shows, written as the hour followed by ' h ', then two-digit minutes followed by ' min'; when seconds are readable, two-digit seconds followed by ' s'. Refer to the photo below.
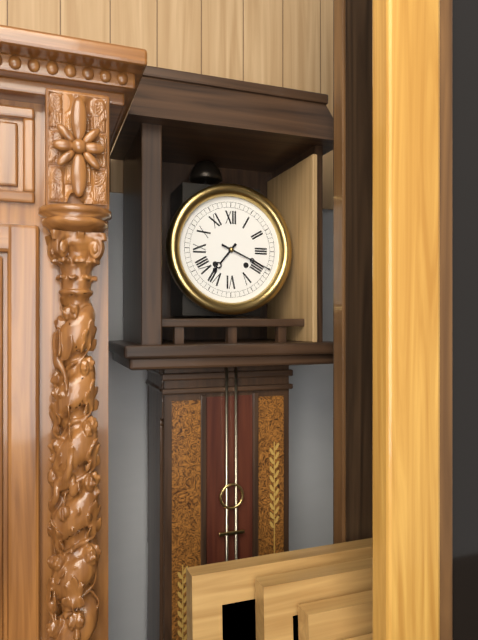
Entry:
7 h 19 min
